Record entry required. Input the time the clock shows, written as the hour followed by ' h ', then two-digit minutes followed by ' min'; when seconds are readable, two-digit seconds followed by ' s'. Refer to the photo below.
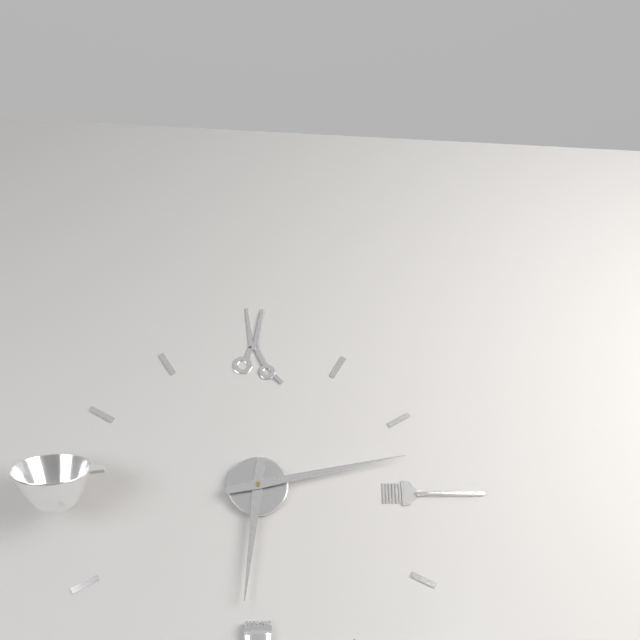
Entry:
6 h 13 min
